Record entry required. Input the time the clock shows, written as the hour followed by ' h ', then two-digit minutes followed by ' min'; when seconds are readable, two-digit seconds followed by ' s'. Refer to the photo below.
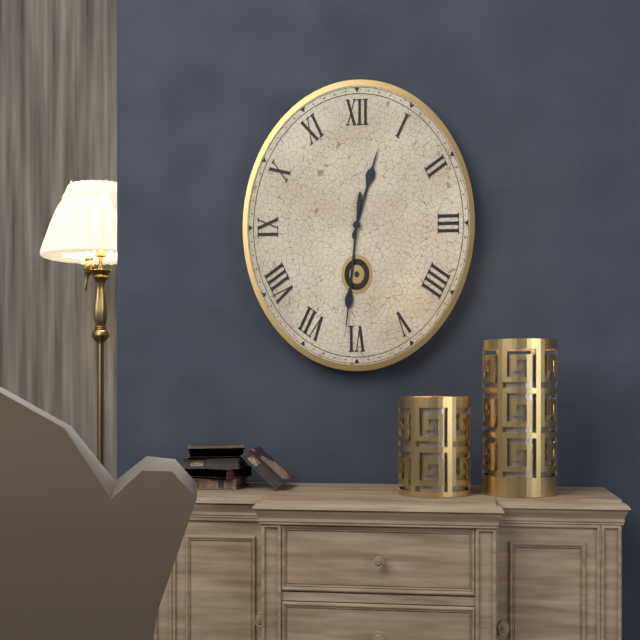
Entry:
12 h 31 min
